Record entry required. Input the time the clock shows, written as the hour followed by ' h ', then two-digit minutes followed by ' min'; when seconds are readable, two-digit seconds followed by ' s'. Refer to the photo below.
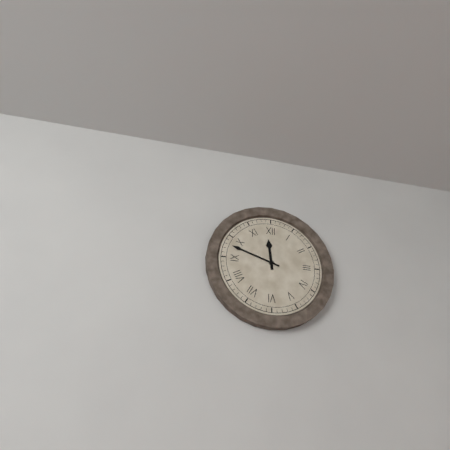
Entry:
11 h 48 min
